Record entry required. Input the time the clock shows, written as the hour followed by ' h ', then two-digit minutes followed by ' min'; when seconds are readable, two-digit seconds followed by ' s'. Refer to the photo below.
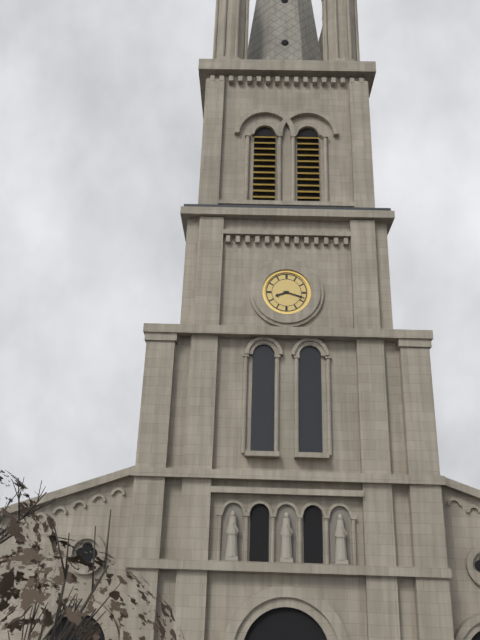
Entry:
8 h 18 min
